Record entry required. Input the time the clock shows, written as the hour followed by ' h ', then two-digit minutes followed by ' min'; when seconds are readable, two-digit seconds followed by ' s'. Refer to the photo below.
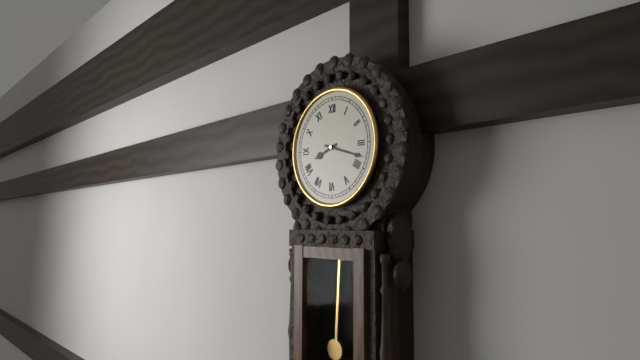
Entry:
8 h 18 min
